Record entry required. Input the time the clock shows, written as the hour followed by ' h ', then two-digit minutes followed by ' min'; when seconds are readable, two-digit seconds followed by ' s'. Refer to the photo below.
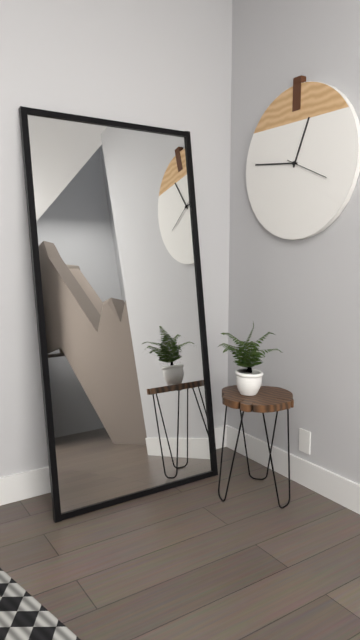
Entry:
12 h 46 min
